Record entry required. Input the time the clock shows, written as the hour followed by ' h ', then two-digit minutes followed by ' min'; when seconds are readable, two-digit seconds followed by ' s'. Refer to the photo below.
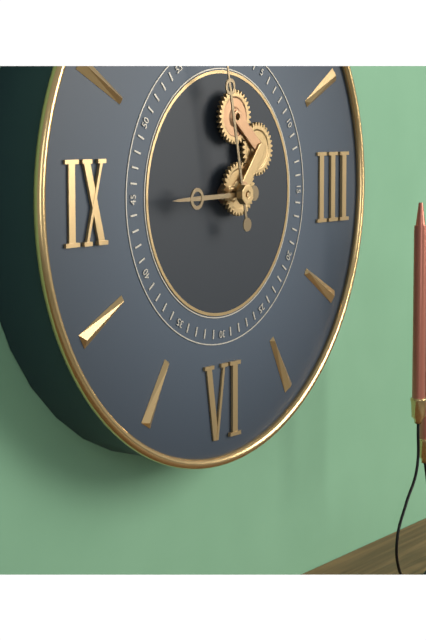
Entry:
8 h 58 min
